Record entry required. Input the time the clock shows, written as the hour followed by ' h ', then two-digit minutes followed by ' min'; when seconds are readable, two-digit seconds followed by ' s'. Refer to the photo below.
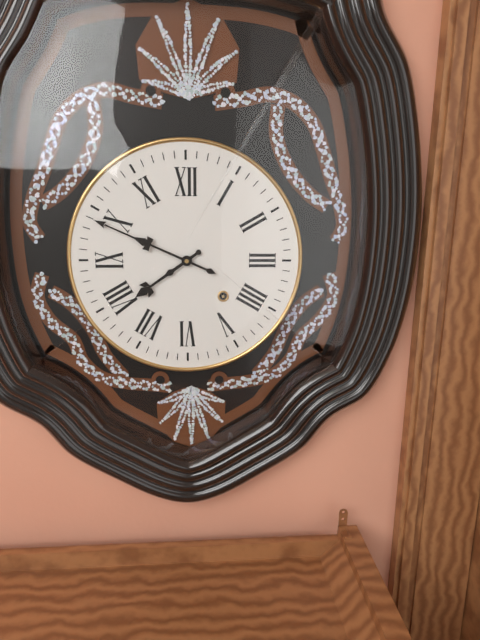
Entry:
7 h 49 min
